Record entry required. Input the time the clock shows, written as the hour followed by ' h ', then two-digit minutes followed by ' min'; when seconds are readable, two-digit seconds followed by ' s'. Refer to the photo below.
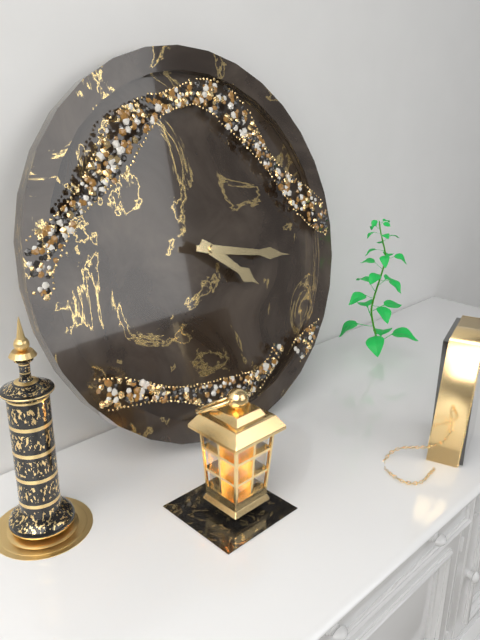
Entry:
4 h 17 min
